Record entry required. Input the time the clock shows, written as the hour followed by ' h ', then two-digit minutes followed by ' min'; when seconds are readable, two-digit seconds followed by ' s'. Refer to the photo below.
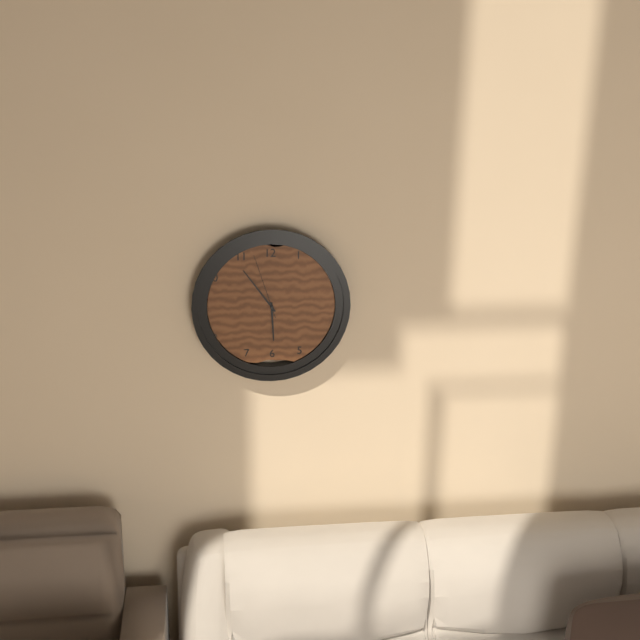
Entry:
5 h 54 min 57 s
